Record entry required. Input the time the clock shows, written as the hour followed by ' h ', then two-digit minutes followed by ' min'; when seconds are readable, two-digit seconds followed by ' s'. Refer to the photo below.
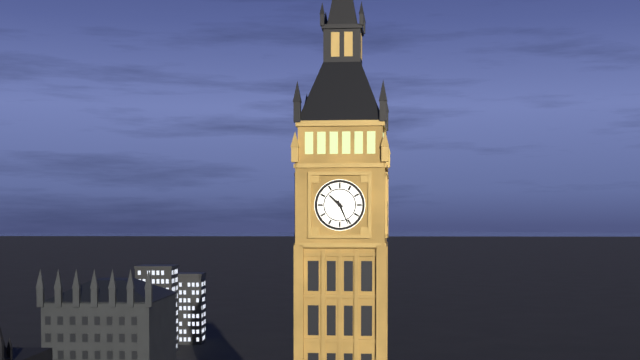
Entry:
10 h 26 min
